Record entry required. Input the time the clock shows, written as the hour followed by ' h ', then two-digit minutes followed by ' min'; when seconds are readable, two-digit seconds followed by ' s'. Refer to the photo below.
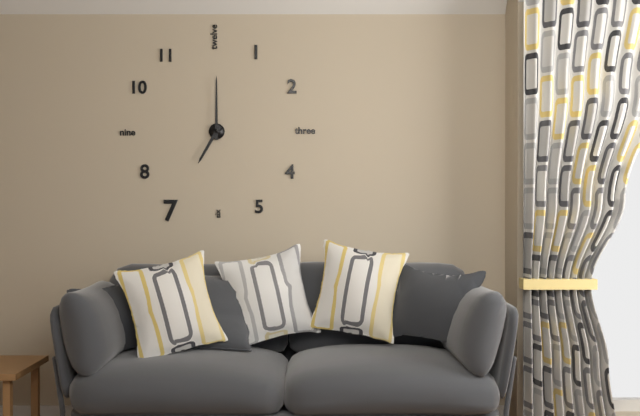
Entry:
7 h 00 min
